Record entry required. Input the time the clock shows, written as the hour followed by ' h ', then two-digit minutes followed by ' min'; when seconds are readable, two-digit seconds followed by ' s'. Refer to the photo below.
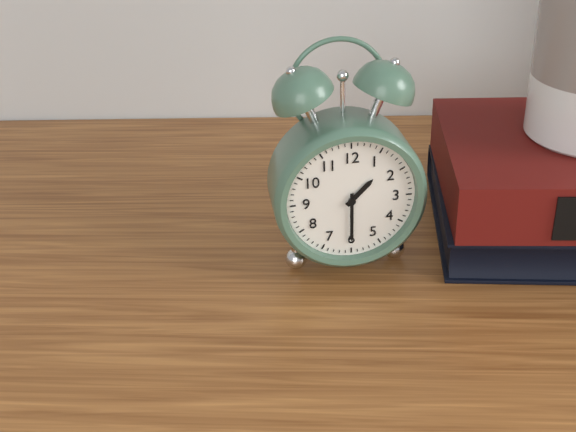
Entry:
1 h 30 min
